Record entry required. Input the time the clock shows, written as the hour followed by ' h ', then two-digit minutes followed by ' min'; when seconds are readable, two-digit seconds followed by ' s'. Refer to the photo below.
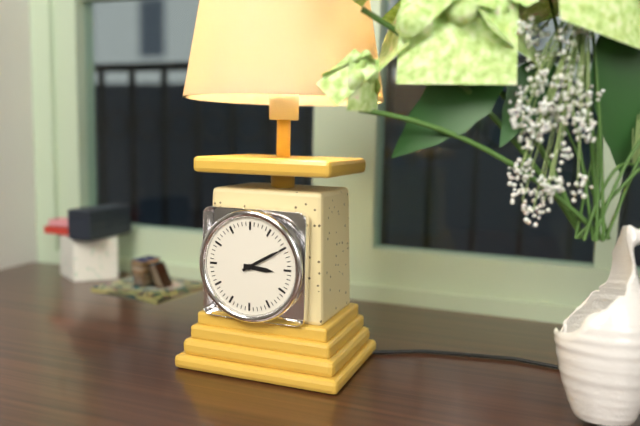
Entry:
3 h 10 min
